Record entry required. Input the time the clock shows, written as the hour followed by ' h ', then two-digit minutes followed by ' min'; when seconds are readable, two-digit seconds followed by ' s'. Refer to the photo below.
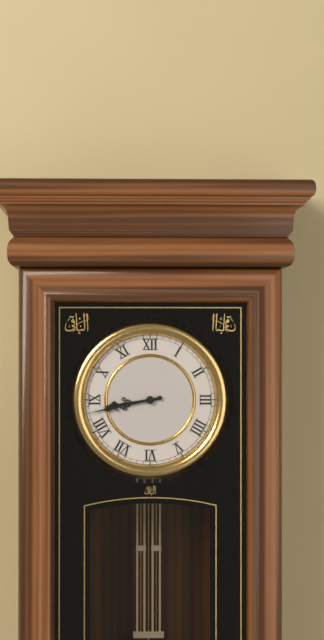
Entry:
8 h 43 min
